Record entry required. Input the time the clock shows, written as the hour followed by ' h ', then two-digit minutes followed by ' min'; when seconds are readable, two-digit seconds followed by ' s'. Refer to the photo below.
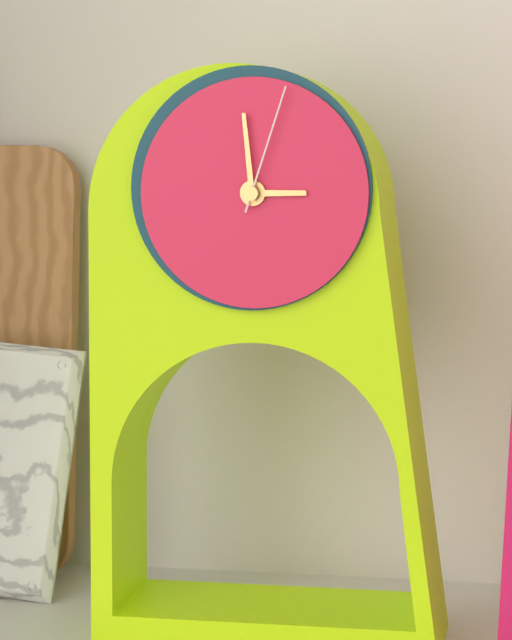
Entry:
2 h 59 min 03 s
